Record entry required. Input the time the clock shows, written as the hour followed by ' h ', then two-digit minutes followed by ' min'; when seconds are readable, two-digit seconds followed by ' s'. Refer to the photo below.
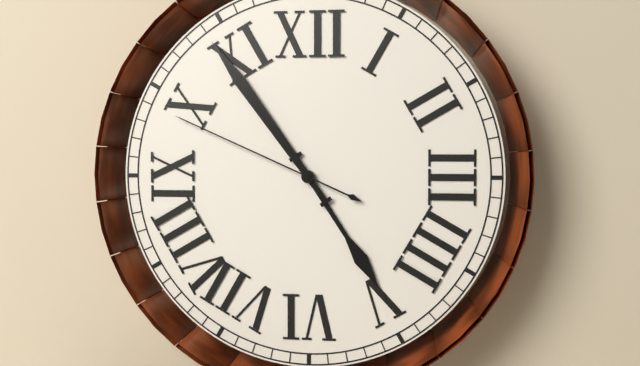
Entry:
4 h 54 min 49 s
